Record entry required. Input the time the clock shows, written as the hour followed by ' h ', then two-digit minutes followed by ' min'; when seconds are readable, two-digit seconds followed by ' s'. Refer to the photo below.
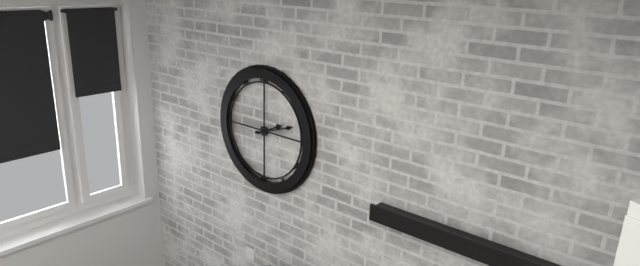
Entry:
2 h 12 min
